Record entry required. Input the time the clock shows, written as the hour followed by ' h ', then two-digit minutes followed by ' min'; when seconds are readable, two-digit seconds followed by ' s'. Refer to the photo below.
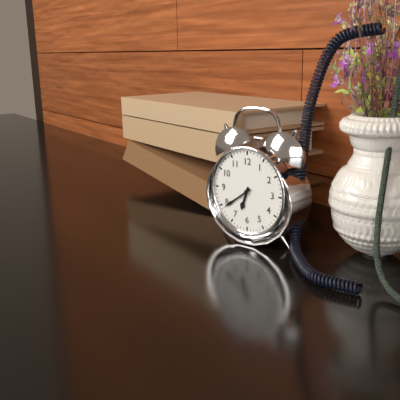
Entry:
6 h 39 min
